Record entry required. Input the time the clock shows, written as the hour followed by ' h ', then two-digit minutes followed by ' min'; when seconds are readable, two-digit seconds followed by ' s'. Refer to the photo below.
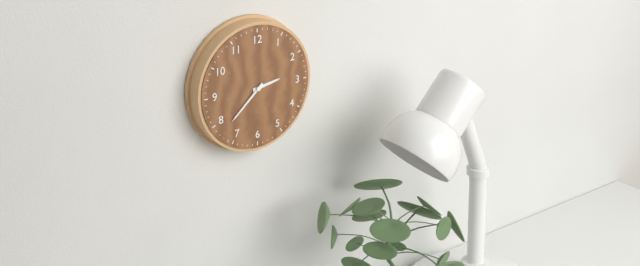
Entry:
2 h 38 min
